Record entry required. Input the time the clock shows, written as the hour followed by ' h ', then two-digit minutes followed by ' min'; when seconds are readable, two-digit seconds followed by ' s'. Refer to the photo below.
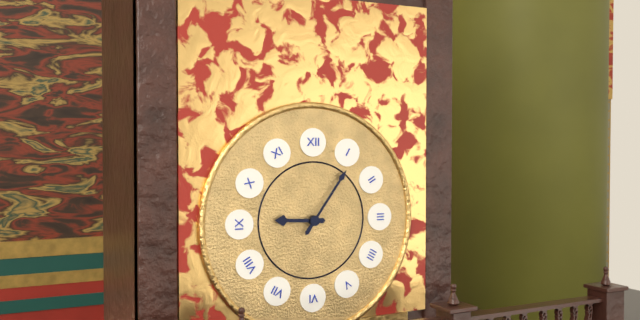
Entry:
9 h 06 min
